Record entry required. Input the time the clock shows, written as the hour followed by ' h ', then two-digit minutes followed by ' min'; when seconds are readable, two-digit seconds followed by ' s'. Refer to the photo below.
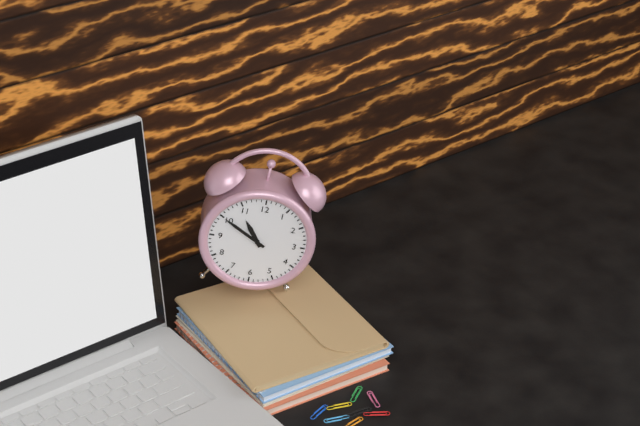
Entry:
10 h 50 min
